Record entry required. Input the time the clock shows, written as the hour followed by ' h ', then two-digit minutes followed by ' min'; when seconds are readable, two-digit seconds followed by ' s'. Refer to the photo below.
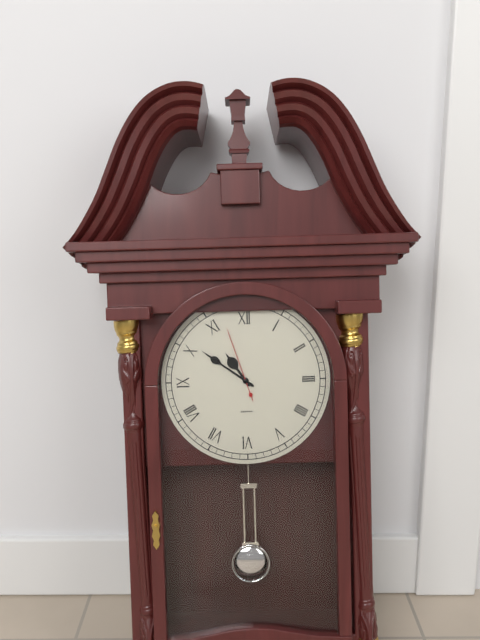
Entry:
10 h 51 min 57 s
